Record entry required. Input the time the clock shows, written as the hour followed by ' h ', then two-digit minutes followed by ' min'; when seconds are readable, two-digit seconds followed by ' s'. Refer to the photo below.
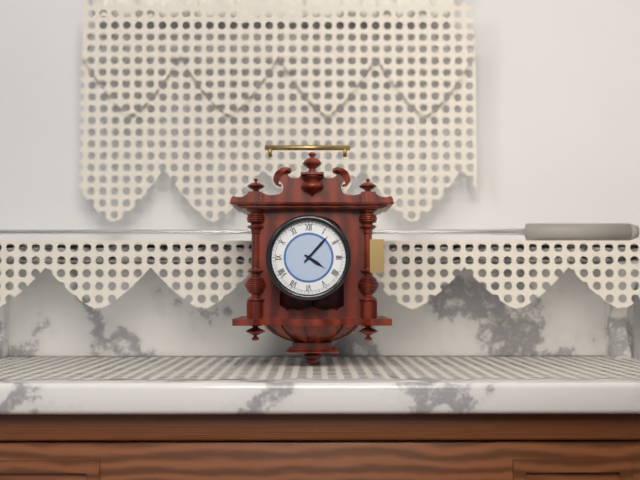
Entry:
4 h 07 min
